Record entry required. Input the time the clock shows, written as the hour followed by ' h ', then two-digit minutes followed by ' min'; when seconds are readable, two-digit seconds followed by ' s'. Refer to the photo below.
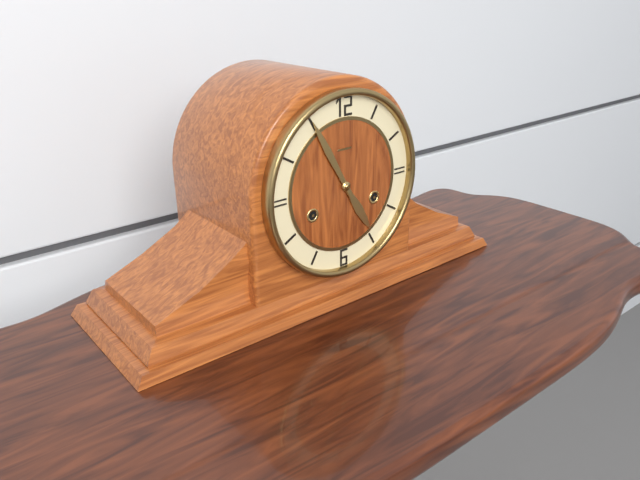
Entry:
4 h 55 min
